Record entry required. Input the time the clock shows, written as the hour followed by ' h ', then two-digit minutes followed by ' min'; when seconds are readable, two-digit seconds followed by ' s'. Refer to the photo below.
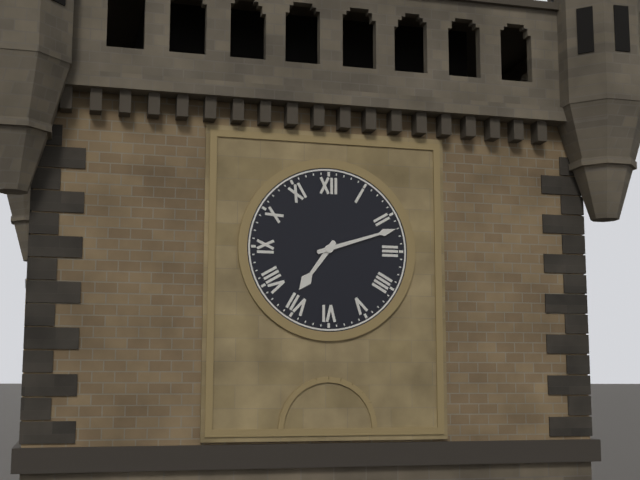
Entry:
7 h 12 min
